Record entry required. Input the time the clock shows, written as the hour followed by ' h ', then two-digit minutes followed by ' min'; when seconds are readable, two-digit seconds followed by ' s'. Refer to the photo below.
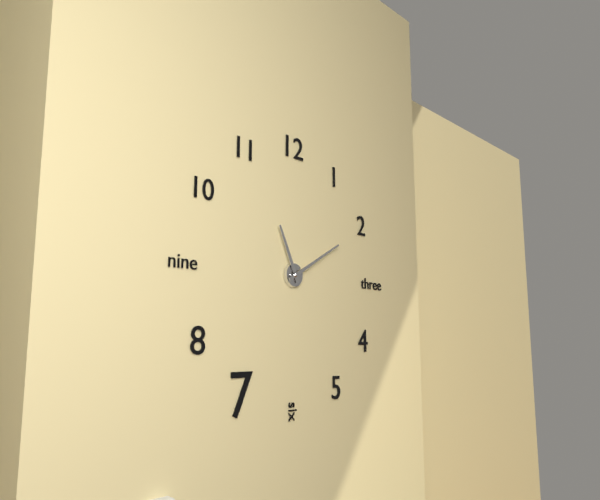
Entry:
11 h 10 min
